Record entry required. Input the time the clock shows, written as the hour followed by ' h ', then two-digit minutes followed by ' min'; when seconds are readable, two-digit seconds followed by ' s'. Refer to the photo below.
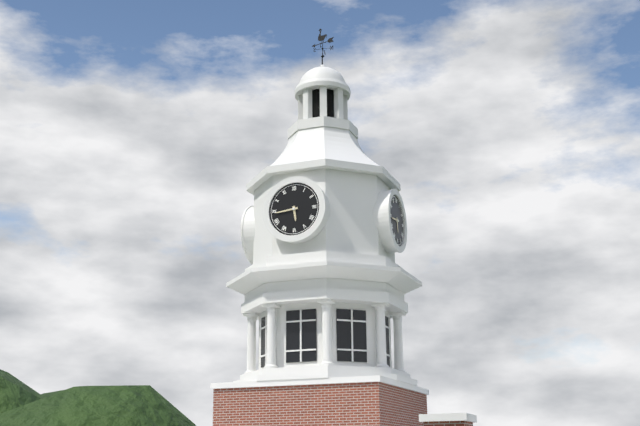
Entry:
5 h 44 min
